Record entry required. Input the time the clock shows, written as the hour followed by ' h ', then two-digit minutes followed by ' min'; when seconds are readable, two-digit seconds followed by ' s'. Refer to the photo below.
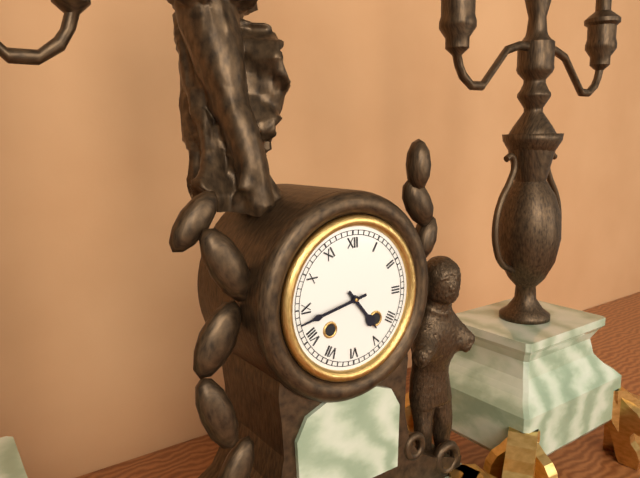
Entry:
4 h 43 min
